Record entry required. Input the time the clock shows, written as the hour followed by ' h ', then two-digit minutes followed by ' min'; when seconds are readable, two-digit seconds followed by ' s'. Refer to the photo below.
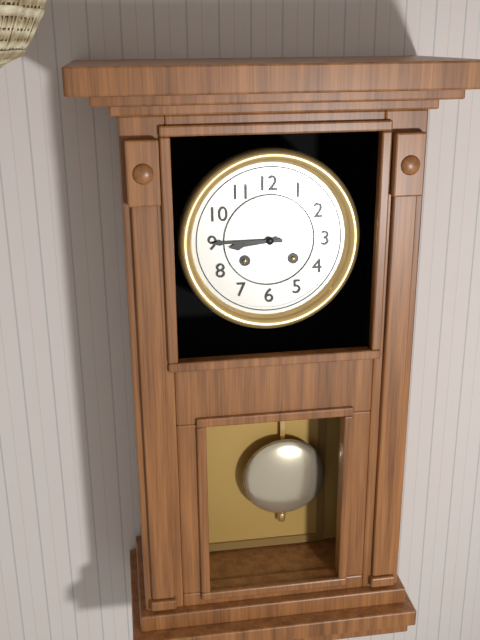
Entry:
8 h 45 min
